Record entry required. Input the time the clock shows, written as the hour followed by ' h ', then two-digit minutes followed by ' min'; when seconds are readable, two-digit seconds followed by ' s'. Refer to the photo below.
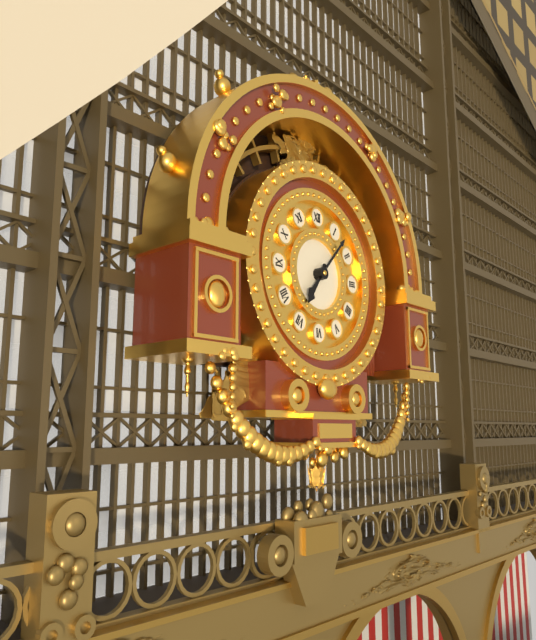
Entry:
7 h 07 min
